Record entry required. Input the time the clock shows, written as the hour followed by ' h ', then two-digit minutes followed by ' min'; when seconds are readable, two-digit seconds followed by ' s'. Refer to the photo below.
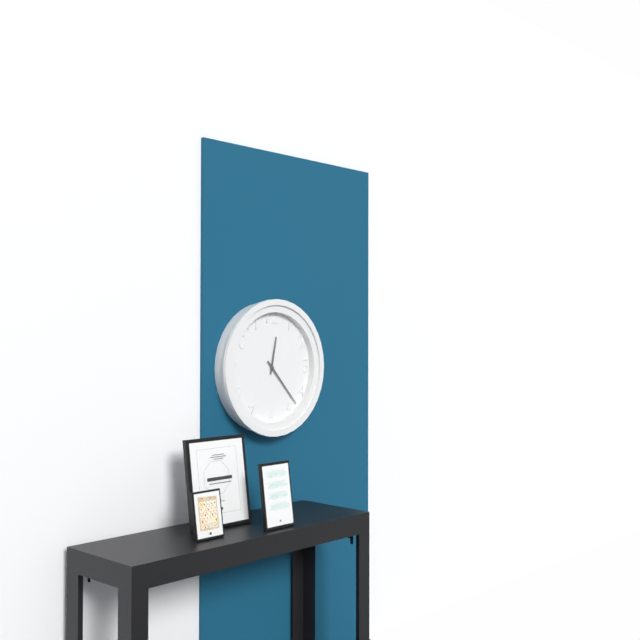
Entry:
12 h 23 min
